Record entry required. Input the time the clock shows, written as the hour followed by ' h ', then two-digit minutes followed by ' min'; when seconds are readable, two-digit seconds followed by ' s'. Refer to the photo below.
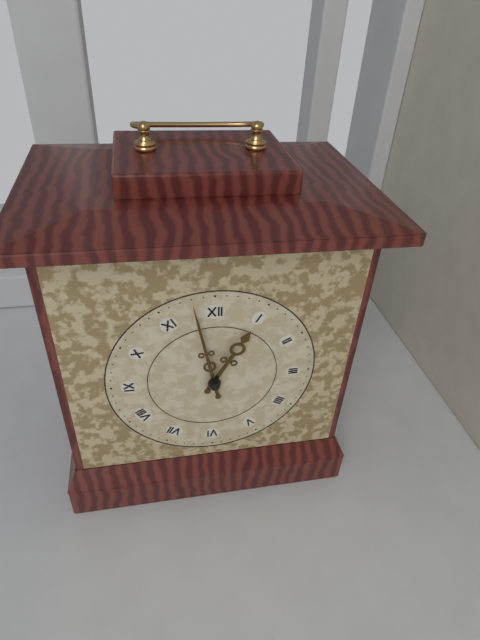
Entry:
12 h 58 min
